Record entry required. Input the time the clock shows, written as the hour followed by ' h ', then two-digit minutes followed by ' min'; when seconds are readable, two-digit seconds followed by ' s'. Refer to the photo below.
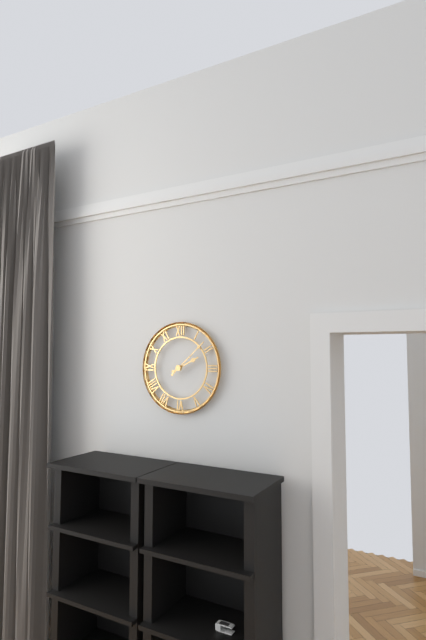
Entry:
2 h 08 min
